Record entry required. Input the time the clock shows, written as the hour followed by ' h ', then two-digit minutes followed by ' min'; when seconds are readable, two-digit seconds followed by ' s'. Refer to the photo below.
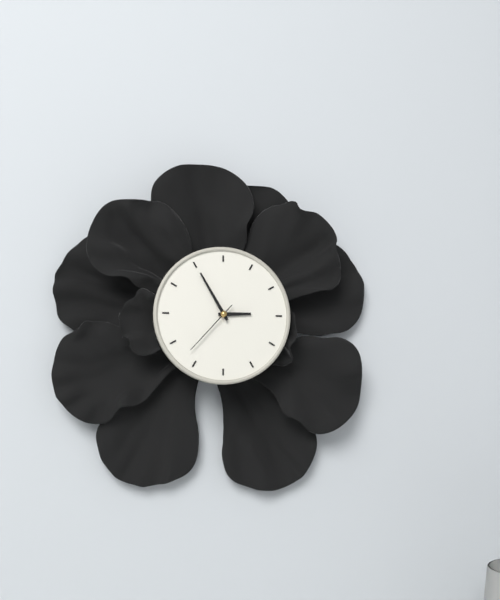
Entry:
2 h 55 min 37 s
